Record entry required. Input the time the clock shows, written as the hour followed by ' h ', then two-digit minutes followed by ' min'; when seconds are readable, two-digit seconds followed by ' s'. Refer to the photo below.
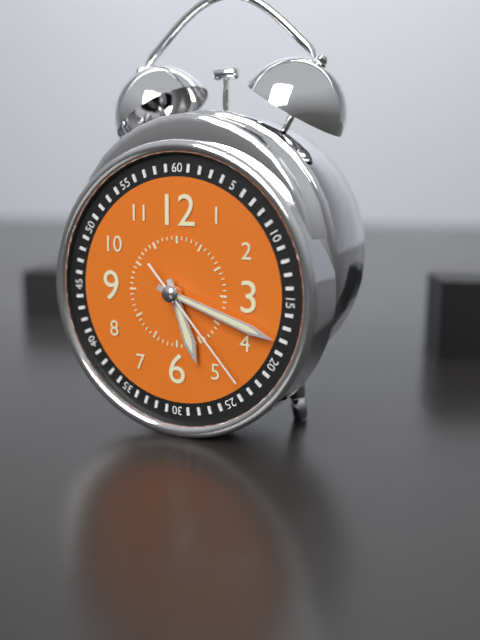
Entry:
5 h 18 min 23 s
